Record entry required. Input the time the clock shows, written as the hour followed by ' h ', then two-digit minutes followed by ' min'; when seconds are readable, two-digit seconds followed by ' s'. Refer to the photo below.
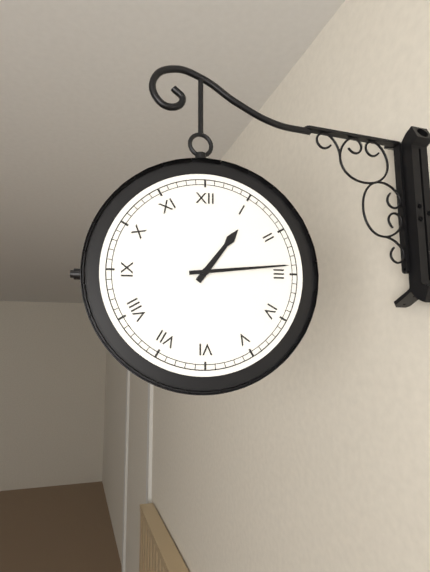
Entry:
1 h 14 min
